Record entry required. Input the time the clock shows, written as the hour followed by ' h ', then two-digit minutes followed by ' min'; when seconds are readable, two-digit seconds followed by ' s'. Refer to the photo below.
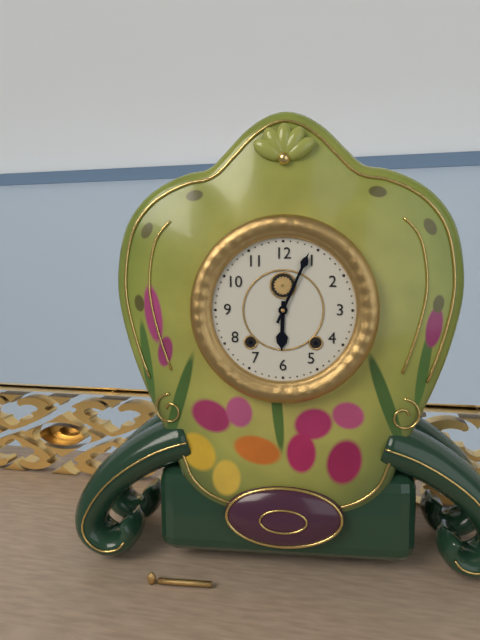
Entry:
6 h 04 min
